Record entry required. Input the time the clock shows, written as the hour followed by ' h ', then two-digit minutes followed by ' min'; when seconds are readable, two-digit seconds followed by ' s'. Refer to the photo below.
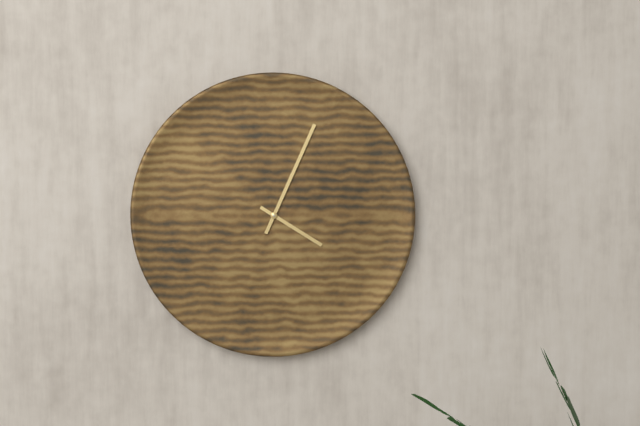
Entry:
4 h 04 min
